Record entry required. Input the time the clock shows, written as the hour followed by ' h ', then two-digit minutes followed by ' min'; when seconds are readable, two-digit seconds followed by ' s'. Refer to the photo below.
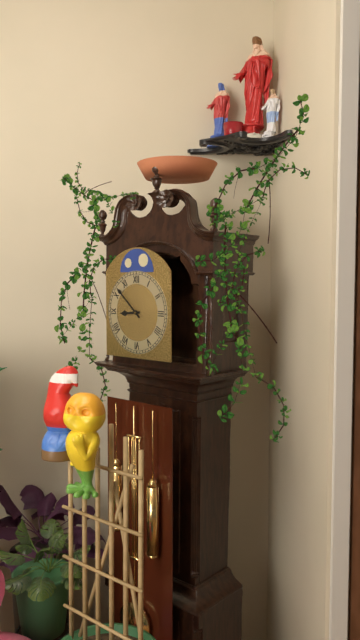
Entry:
8 h 52 min
